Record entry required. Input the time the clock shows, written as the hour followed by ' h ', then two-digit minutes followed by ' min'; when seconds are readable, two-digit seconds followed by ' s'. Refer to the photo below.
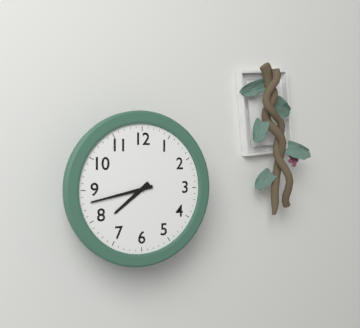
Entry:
7 h 43 min
